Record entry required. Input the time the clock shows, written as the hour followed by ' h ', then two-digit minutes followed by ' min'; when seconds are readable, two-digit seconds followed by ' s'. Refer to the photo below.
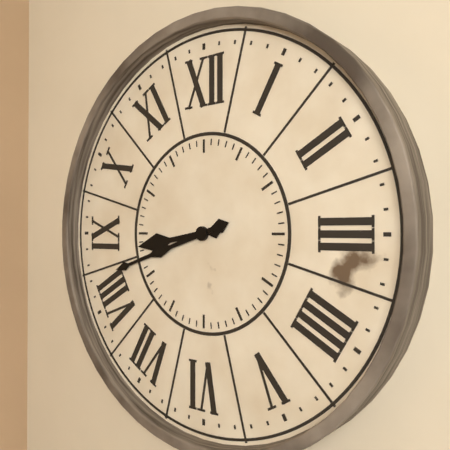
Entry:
8 h 42 min
